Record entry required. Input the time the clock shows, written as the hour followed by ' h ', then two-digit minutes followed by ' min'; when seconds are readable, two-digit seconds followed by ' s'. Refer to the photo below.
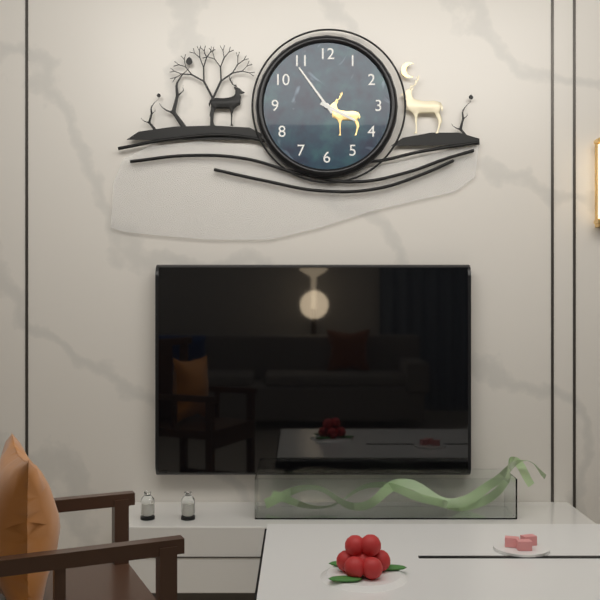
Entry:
3 h 54 min
